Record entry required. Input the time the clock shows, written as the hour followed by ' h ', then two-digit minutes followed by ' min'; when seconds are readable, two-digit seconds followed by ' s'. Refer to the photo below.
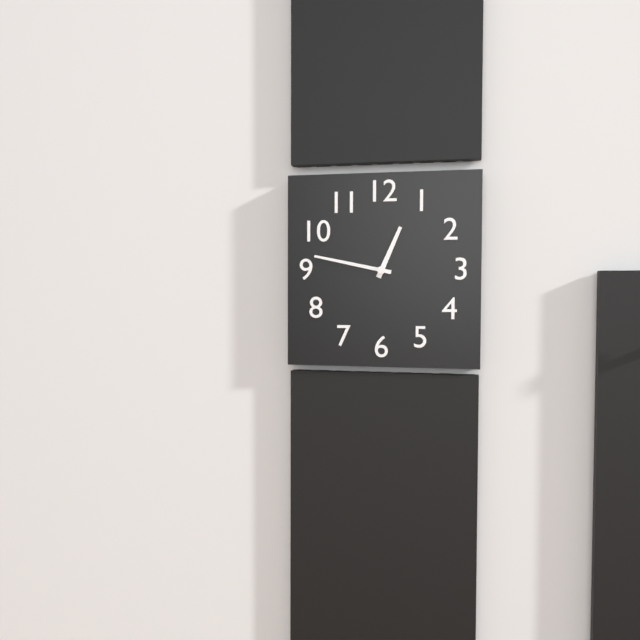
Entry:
12 h 47 min
